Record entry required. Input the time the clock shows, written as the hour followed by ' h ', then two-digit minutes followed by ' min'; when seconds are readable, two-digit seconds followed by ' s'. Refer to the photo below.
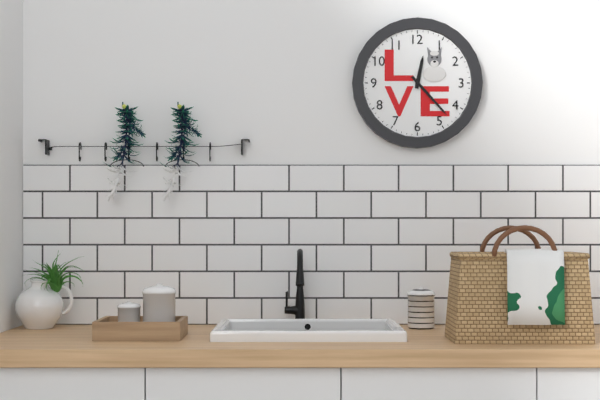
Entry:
12 h 23 min
